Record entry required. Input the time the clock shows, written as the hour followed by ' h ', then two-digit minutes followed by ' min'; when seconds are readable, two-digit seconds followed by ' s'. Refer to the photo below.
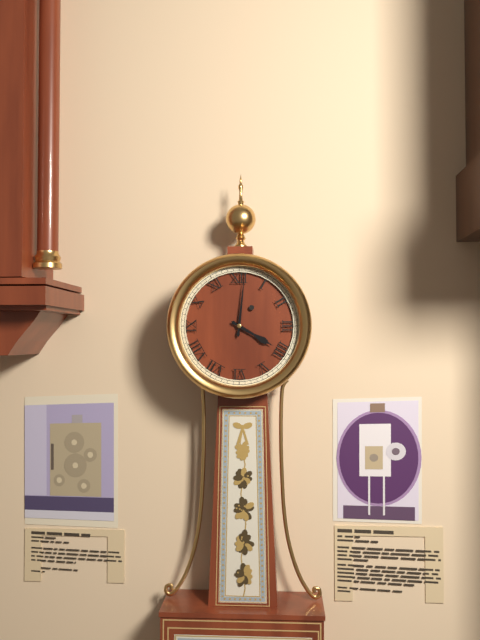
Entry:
4 h 01 min
